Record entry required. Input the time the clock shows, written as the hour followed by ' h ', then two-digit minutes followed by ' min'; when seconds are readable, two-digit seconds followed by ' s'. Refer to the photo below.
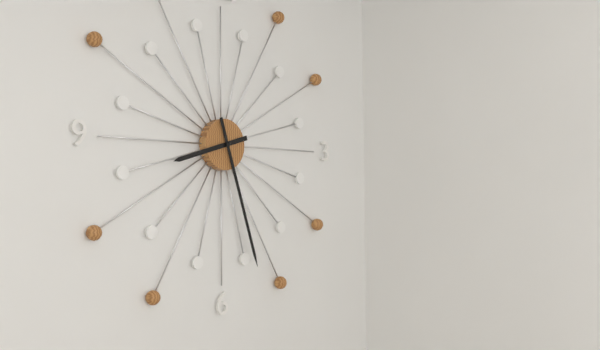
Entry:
8 h 27 min
